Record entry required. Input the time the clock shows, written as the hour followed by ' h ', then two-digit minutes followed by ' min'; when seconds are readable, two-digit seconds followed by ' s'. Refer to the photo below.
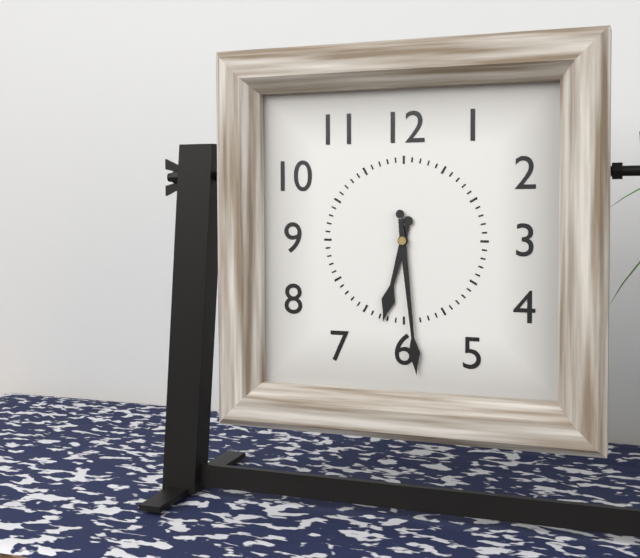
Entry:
6 h 29 min
